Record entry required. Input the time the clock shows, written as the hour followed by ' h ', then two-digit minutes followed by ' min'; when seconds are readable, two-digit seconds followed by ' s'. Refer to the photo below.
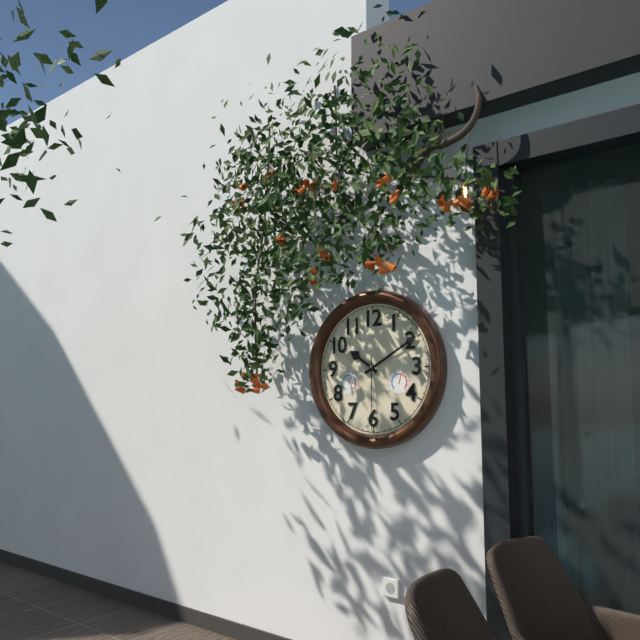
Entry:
10 h 10 min 30 s
